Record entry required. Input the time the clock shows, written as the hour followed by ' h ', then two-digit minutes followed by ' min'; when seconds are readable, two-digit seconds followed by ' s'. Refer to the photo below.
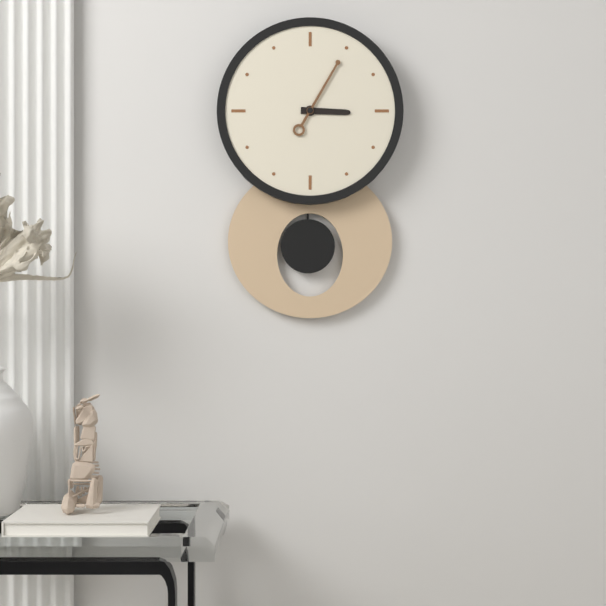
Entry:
3 h 05 min
